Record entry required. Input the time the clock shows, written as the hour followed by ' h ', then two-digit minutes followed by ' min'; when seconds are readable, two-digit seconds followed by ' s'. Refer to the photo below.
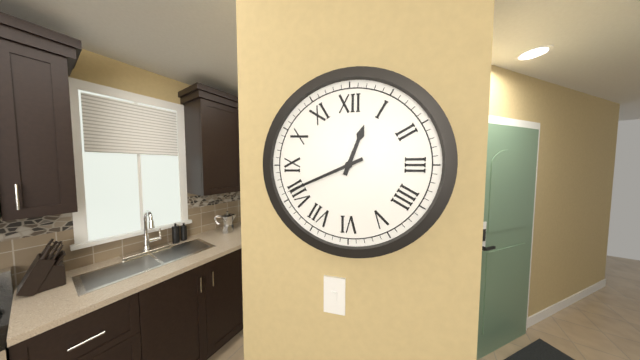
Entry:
12 h 41 min
